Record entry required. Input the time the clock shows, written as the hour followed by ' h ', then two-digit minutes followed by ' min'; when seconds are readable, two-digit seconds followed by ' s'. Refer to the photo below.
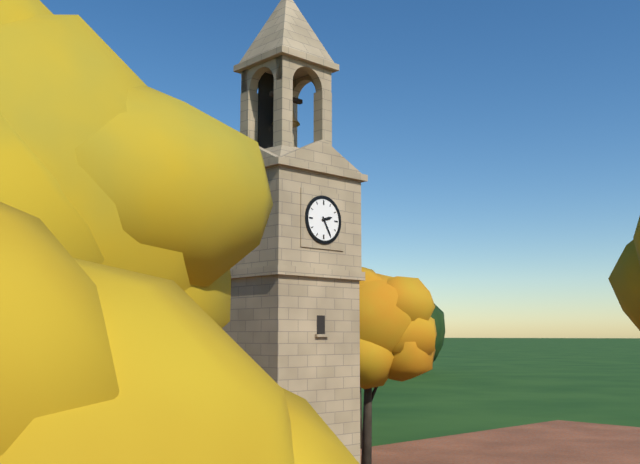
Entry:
2 h 25 min
